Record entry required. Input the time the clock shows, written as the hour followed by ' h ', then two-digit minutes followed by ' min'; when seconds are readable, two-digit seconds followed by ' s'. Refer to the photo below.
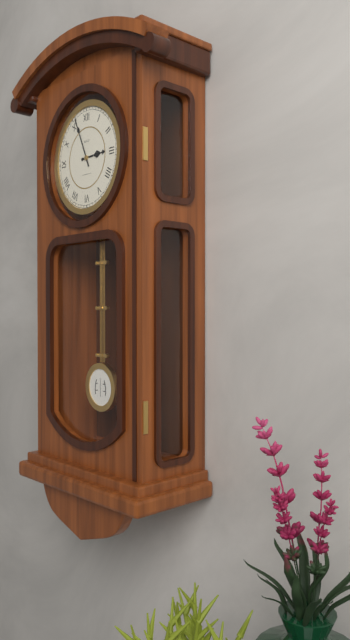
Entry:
2 h 56 min
